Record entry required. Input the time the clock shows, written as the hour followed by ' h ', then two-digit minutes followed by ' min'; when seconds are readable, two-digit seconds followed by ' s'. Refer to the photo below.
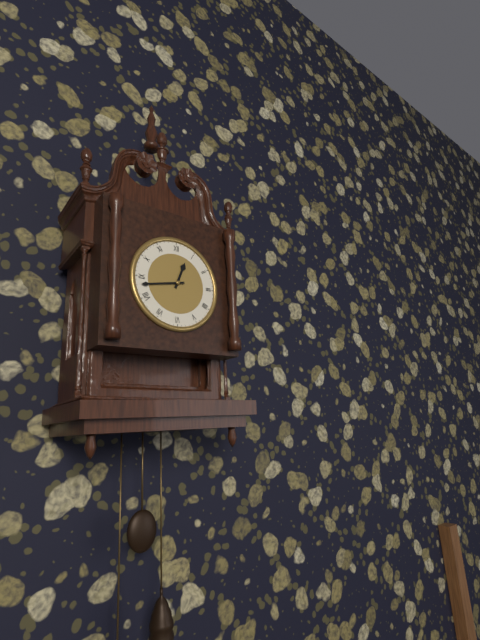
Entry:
12 h 43 min
